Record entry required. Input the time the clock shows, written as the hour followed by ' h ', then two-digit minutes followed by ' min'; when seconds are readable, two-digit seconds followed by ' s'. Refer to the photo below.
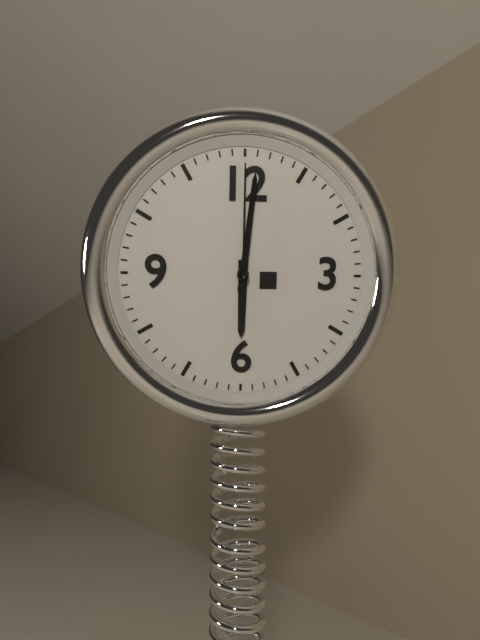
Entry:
6 h 01 min 00 s
